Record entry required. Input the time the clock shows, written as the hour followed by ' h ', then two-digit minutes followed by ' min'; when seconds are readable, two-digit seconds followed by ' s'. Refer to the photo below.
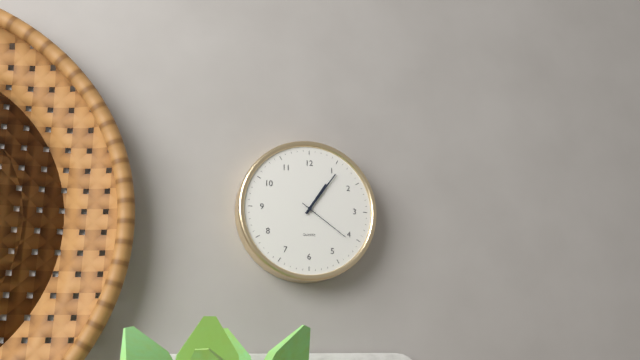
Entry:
1 h 06 min 21 s
